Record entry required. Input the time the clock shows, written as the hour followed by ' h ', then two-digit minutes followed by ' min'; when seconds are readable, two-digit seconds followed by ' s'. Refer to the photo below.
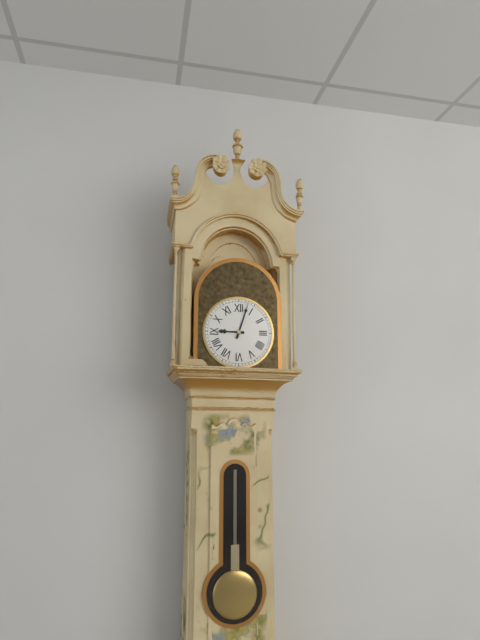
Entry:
9 h 03 min
